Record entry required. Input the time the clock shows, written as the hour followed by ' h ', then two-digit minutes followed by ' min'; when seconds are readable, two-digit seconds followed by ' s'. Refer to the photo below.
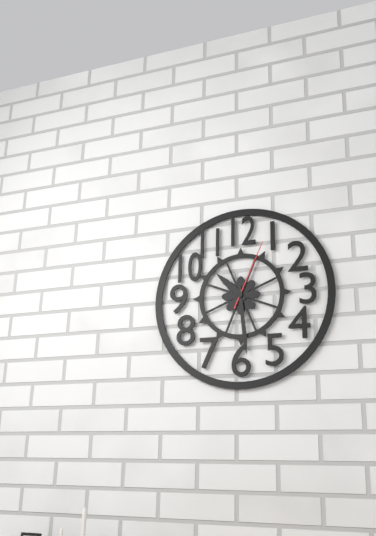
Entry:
10 h 29 min 04 s
